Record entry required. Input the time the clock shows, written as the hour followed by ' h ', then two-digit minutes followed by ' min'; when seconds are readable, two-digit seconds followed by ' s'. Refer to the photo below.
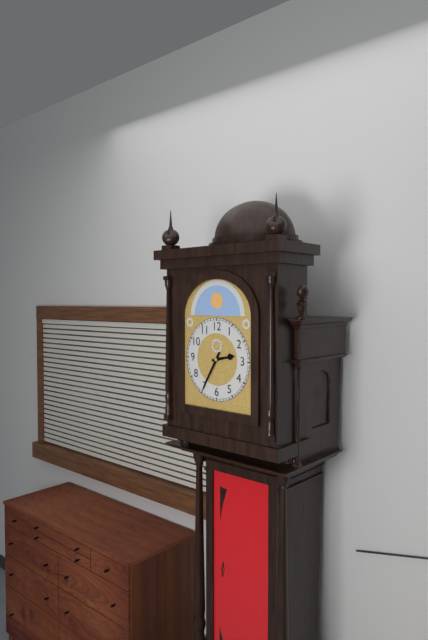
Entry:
2 h 35 min
